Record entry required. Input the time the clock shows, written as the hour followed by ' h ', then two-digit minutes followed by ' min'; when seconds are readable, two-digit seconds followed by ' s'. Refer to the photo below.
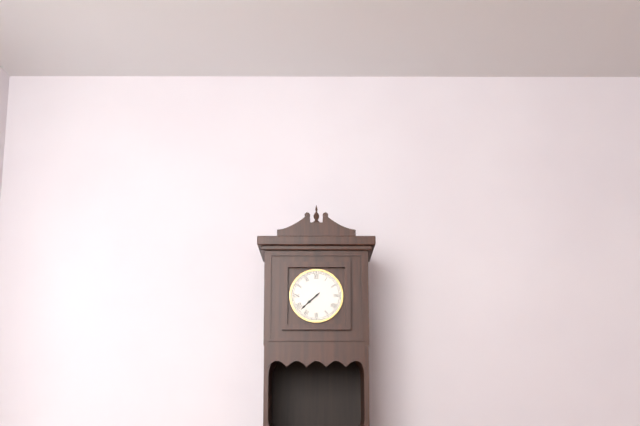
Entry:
7 h 38 min
